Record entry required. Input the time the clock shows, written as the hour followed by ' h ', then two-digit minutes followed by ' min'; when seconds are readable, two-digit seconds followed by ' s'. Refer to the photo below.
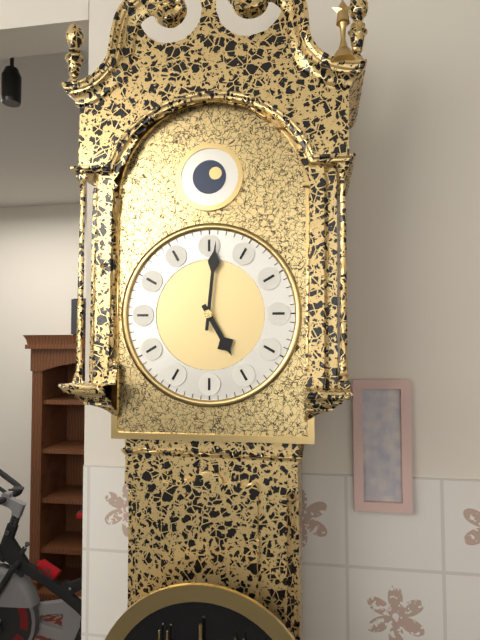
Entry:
5 h 01 min
